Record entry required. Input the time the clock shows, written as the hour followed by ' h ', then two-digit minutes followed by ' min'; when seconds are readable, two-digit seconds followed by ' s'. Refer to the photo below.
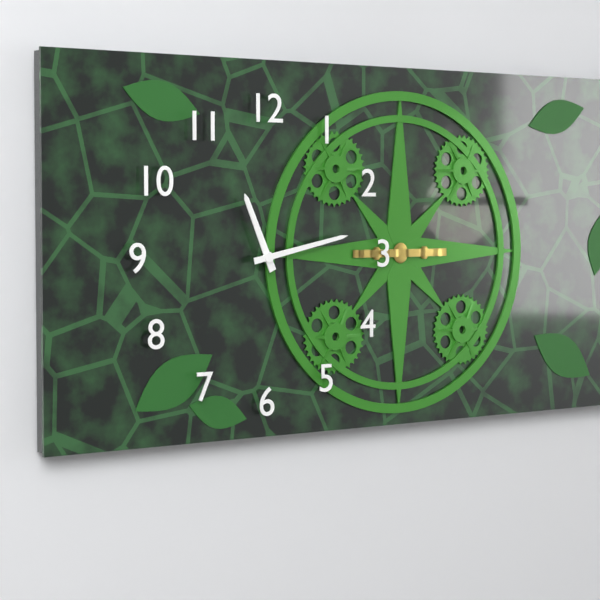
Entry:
11 h 13 min
